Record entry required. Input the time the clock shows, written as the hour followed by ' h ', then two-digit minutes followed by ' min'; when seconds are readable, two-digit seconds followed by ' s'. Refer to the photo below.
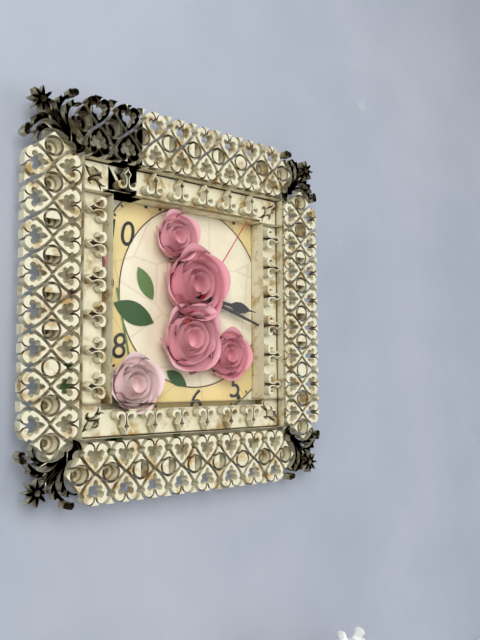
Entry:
3 h 18 min 06 s
